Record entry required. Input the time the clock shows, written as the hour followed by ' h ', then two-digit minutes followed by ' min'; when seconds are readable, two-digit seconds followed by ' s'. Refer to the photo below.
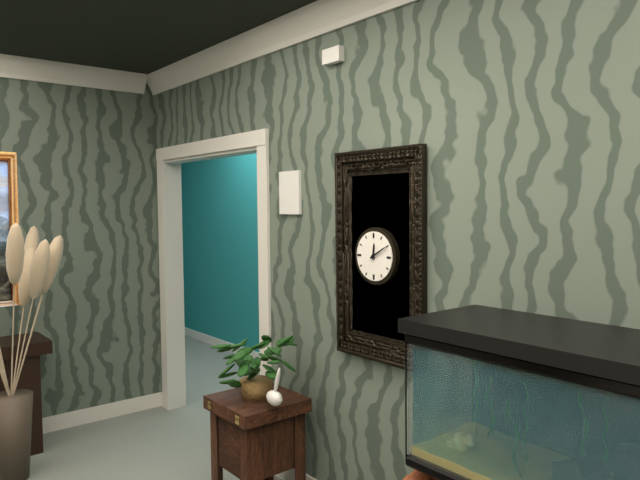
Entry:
12 h 10 min
